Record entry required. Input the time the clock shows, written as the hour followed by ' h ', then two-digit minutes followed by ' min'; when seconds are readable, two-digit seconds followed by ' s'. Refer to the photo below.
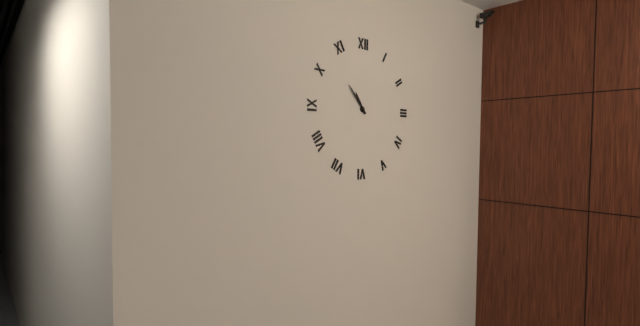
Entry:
10 h 53 min
